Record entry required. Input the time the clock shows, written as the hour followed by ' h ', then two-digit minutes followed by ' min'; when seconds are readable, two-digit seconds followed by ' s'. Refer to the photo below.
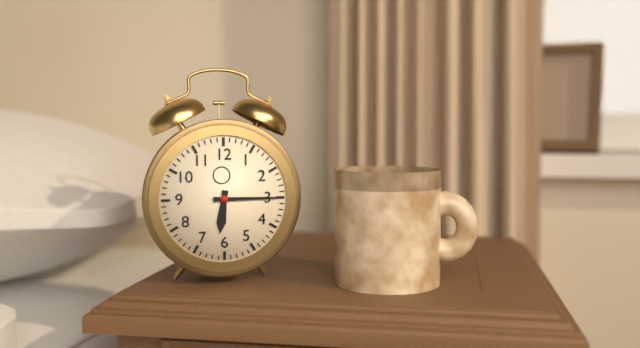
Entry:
6 h 15 min
